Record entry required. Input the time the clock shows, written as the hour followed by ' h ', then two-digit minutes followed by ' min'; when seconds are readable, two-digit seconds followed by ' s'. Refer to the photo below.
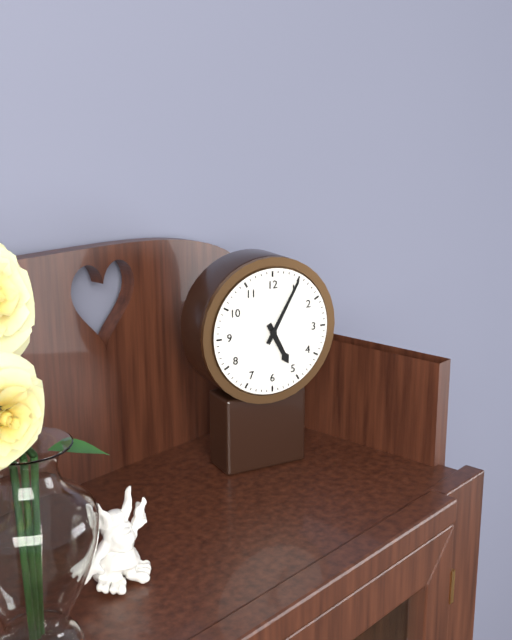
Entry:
5 h 05 min
